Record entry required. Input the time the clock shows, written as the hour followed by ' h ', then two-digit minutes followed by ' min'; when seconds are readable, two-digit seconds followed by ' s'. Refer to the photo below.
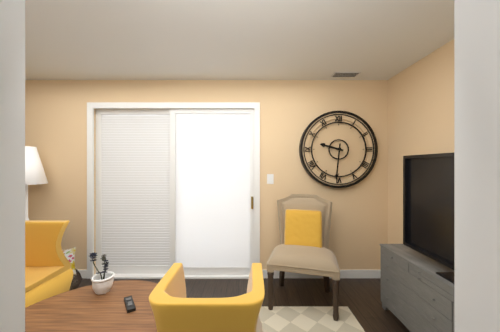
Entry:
9 h 31 min
